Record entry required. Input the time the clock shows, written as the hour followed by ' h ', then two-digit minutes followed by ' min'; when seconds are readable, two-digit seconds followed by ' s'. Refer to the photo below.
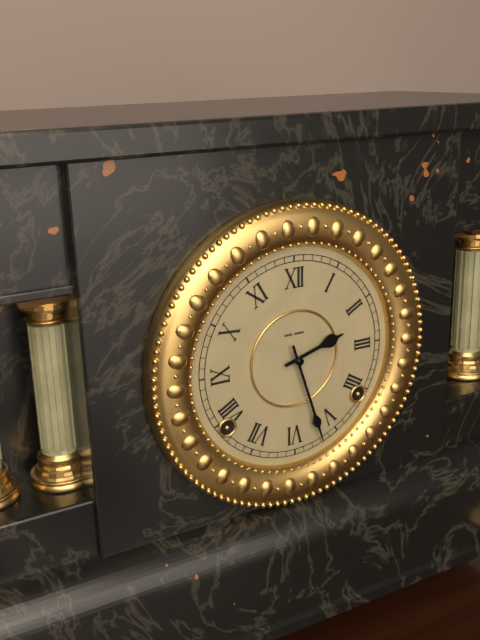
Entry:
2 h 27 min
